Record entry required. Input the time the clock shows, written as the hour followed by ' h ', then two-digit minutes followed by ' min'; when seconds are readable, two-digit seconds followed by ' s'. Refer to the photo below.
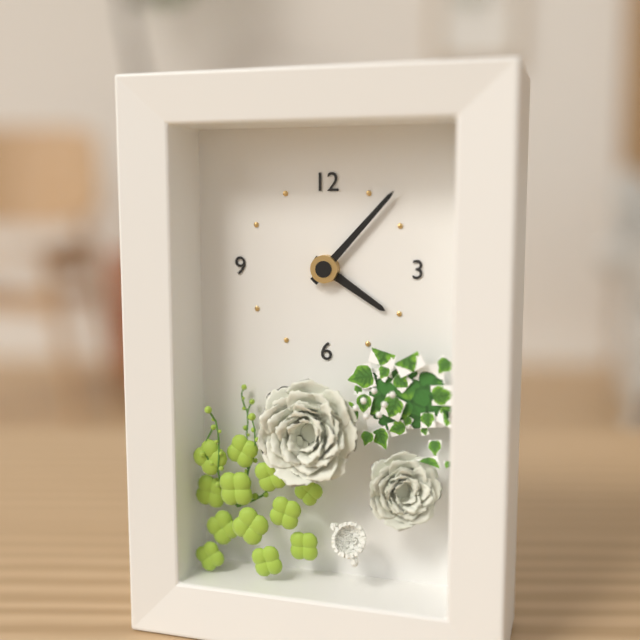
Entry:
4 h 07 min
